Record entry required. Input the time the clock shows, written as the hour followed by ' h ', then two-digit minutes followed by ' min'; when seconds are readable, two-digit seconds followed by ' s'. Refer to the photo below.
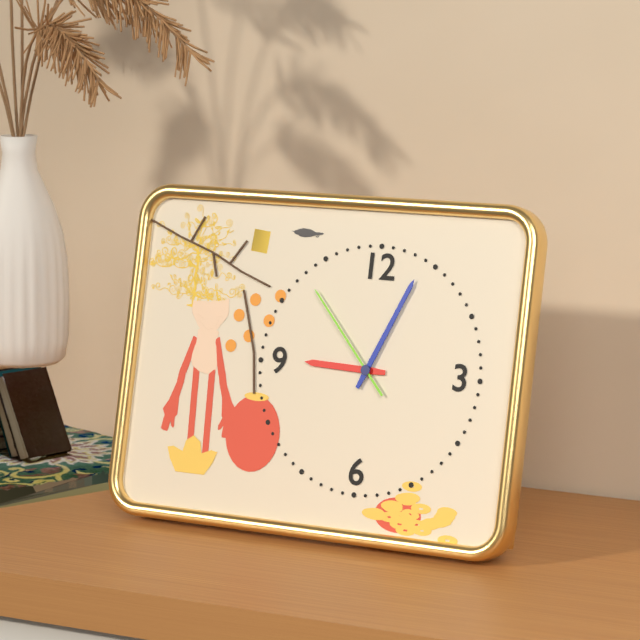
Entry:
9 h 04 min 53 s
